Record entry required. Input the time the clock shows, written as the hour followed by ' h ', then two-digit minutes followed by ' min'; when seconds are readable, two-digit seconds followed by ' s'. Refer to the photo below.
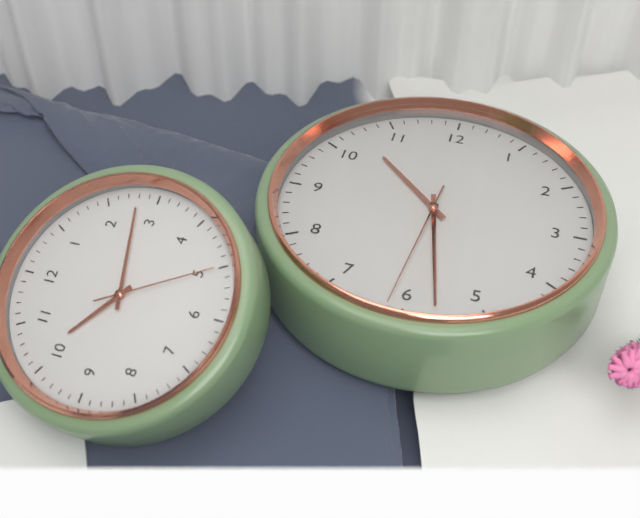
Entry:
10 h 28 min 31 s
